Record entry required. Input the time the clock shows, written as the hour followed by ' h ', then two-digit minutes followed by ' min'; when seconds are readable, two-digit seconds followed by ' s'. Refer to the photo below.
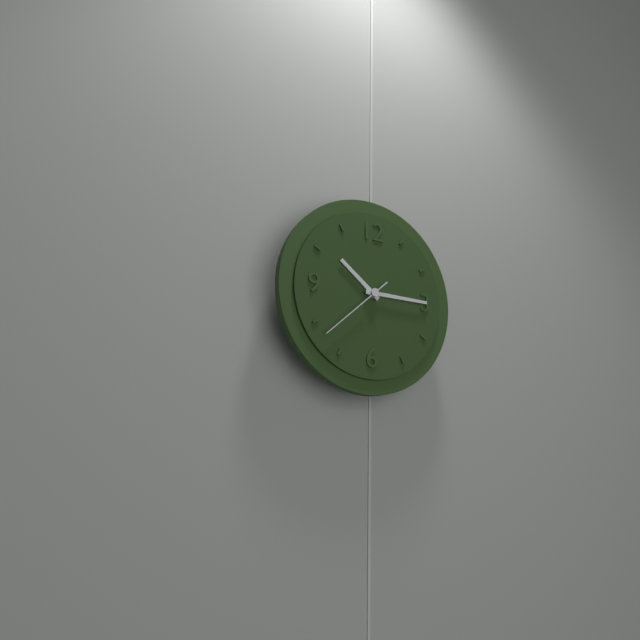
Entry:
10 h 15 min 38 s
